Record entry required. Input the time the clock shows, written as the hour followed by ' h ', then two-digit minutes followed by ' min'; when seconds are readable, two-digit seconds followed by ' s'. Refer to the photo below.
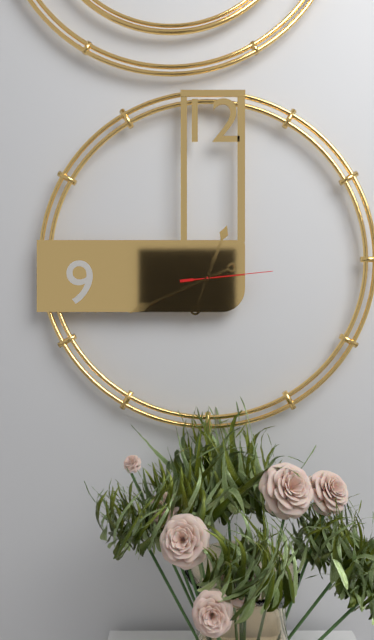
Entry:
12 h 41 min 14 s
